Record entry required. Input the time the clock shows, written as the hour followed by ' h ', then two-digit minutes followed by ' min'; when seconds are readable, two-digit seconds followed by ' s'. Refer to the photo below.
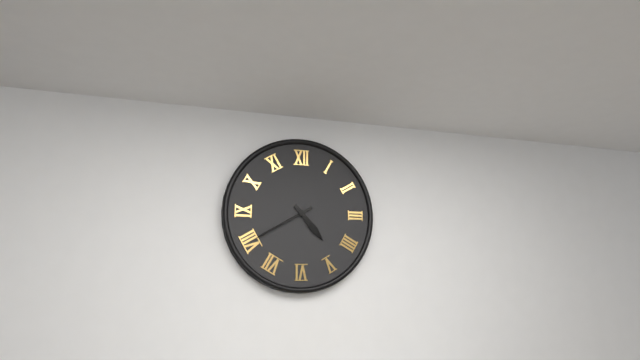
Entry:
4 h 40 min
